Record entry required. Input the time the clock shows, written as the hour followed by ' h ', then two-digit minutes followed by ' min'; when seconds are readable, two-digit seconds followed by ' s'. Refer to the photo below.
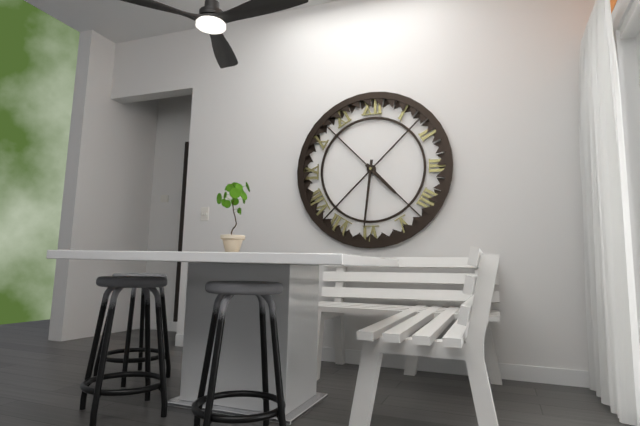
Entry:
4 h 31 min
